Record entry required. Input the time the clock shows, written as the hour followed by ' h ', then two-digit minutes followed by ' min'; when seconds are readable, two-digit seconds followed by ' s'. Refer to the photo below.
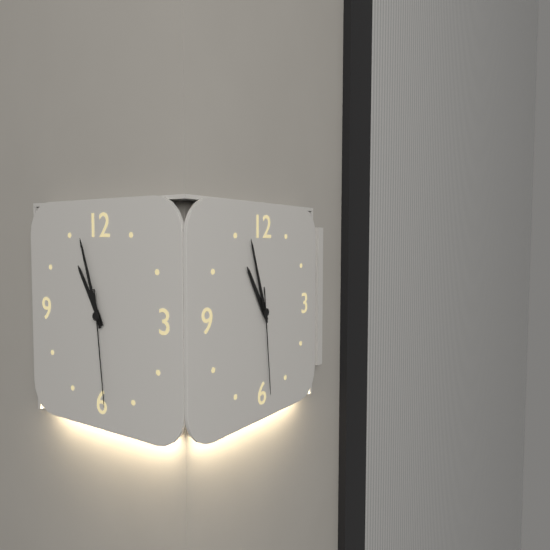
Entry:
10 h 57 min 29 s
